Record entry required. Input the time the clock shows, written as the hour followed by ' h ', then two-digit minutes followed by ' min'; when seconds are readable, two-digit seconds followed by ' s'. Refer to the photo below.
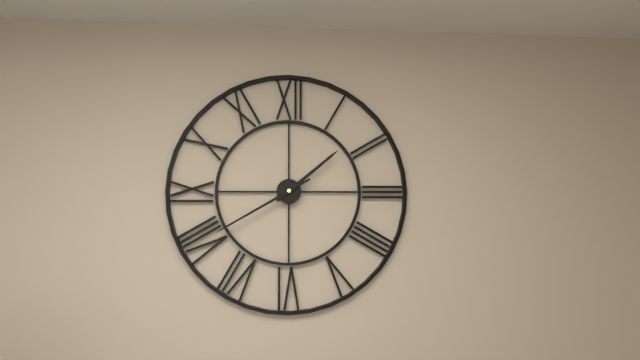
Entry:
1 h 40 min
